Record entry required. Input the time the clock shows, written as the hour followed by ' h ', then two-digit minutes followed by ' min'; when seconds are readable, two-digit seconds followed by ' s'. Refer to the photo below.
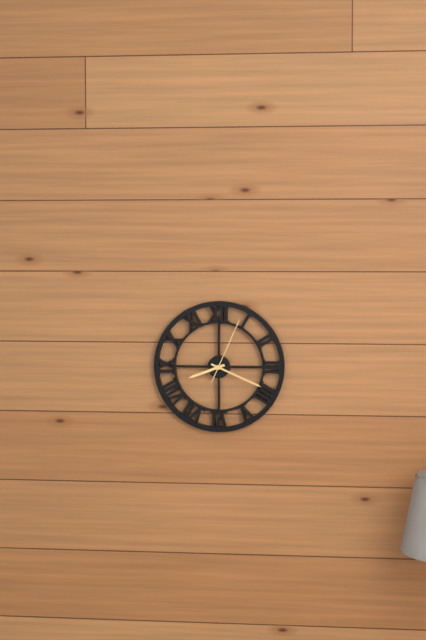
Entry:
8 h 19 min 04 s
